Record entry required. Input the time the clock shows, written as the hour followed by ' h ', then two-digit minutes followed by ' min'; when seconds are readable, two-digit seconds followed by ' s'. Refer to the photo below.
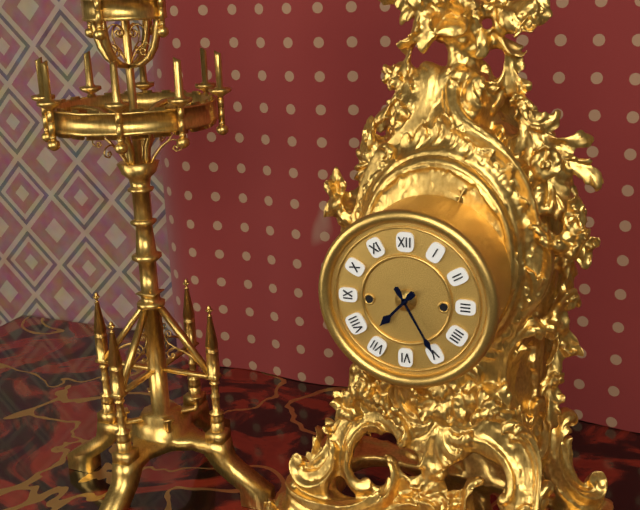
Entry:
7 h 25 min
